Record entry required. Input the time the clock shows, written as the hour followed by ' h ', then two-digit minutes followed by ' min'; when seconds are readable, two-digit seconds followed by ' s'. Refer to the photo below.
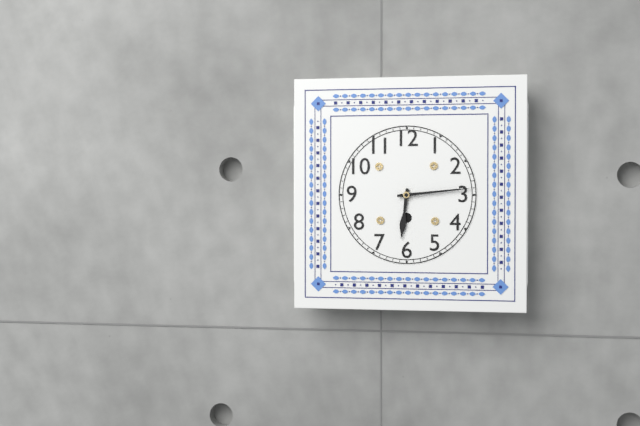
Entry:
6 h 14 min
